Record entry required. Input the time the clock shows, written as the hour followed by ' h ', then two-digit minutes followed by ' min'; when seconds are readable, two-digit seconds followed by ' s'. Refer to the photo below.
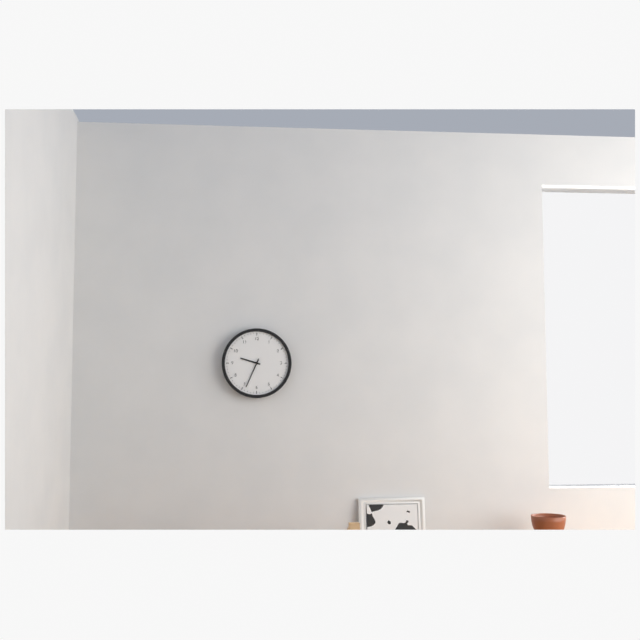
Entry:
9 h 34 min
